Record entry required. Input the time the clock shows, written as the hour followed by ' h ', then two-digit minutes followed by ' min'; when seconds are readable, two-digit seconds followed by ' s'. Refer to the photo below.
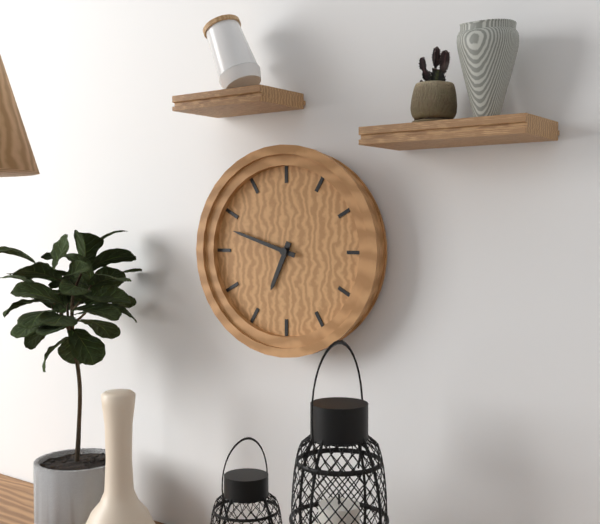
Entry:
6 h 48 min
